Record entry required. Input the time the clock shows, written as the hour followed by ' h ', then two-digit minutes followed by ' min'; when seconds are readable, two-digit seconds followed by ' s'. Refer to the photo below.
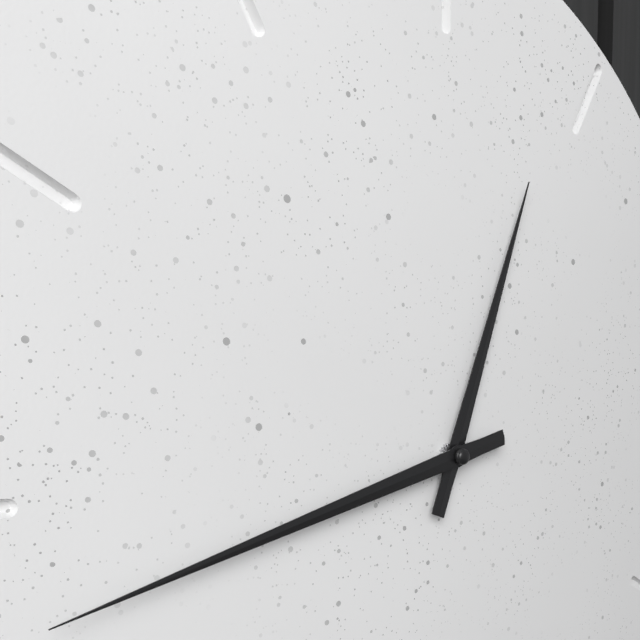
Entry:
12 h 43 min
